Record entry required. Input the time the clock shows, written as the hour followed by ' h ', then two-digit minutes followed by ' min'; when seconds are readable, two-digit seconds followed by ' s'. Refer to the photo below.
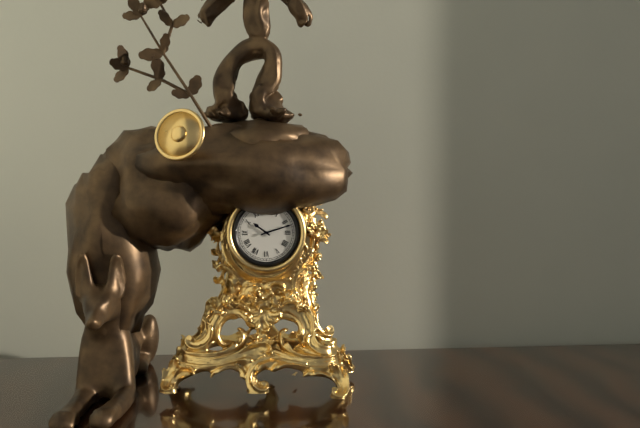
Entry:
10 h 12 min
